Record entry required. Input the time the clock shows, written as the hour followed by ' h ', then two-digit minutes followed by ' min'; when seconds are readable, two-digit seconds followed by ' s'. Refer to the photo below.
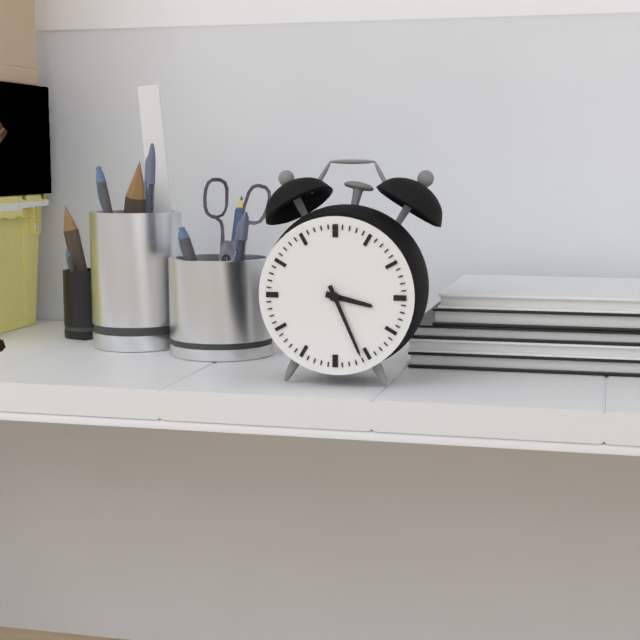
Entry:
3 h 26 min
